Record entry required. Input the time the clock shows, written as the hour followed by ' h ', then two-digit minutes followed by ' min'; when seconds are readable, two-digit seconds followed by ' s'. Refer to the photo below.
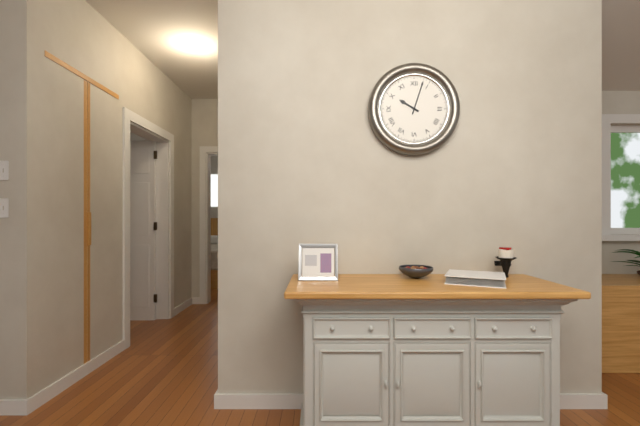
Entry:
10 h 03 min
